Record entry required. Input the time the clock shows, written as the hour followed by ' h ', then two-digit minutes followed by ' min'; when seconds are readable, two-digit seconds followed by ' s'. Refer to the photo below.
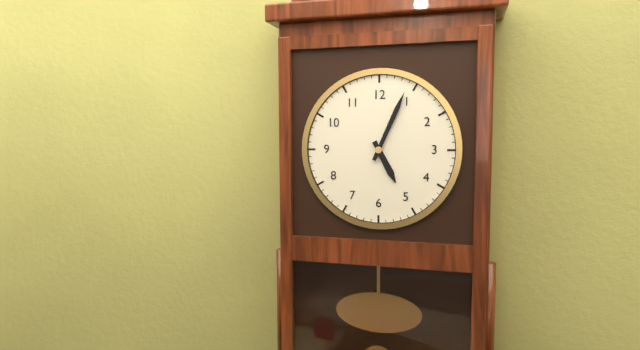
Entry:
5 h 04 min
